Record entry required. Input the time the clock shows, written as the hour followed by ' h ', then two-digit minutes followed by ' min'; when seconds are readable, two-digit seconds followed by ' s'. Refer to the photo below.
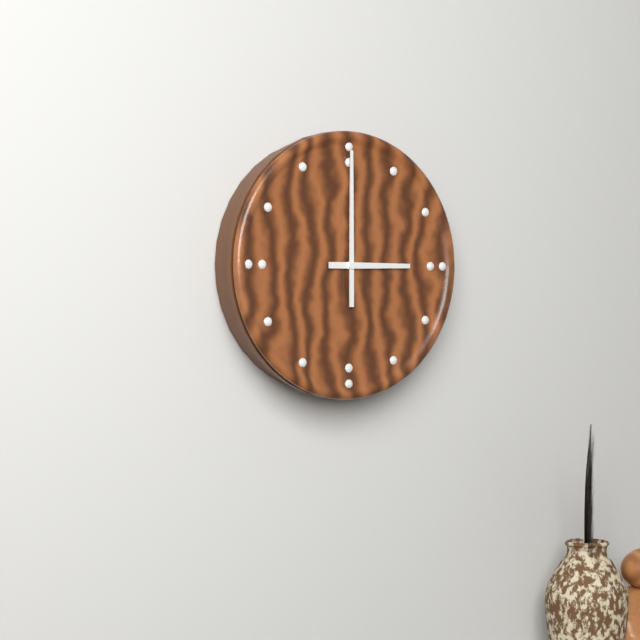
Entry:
3 h 00 min
